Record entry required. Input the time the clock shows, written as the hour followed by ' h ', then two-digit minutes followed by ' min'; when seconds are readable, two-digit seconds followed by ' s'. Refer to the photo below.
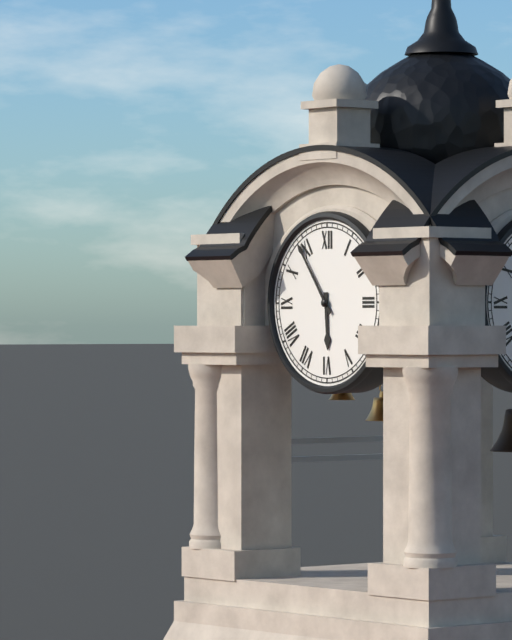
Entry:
5 h 54 min
